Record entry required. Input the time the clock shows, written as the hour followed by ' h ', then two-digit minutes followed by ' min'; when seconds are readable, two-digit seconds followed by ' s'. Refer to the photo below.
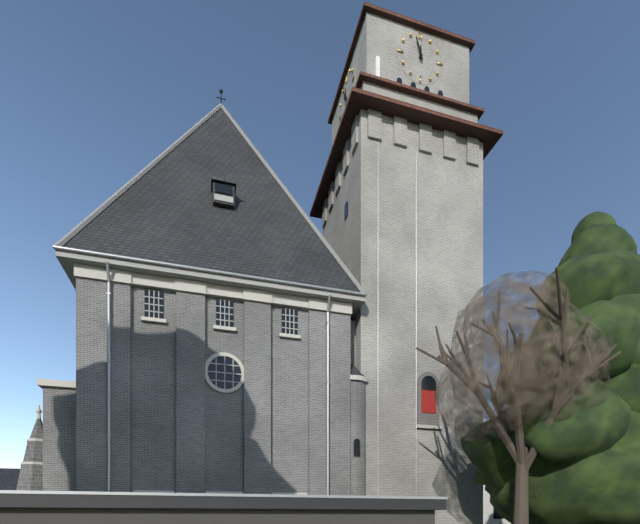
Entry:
11 h 57 min
